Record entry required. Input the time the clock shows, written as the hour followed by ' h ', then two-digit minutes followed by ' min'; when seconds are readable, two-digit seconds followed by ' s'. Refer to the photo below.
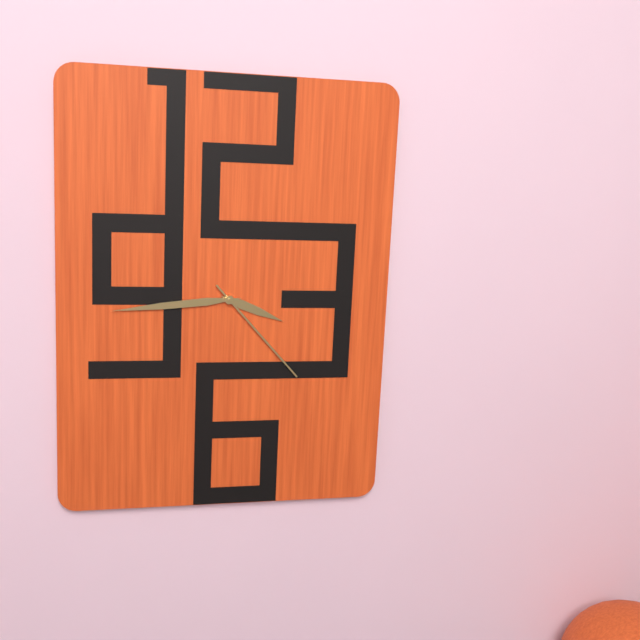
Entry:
3 h 44 min 23 s
